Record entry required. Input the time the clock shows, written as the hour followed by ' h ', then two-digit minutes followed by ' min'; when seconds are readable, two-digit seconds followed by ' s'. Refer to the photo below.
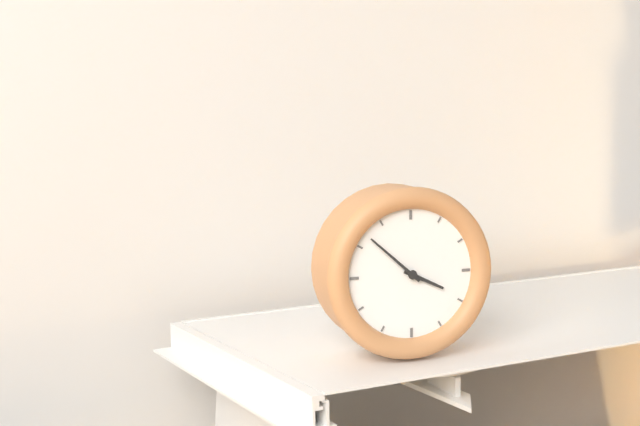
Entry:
3 h 52 min
